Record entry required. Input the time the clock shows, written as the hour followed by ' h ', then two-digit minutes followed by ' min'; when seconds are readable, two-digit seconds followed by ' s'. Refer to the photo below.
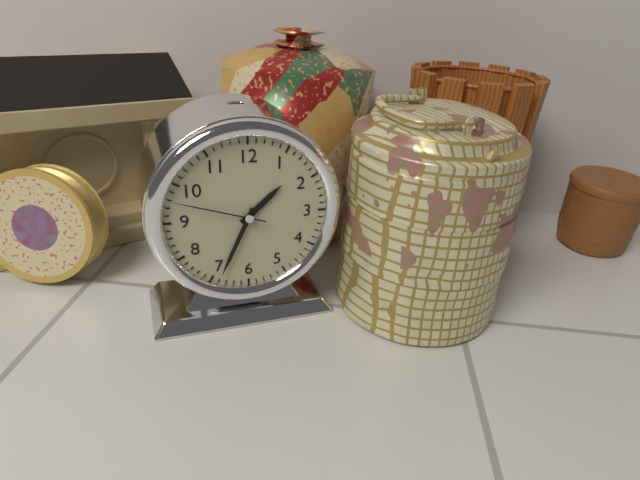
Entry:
1 h 34 min 48 s
